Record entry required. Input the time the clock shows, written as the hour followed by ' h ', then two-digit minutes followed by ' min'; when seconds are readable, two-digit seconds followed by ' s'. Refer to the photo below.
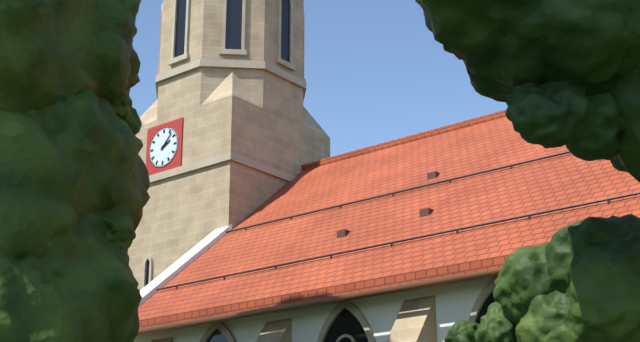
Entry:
2 h 07 min
